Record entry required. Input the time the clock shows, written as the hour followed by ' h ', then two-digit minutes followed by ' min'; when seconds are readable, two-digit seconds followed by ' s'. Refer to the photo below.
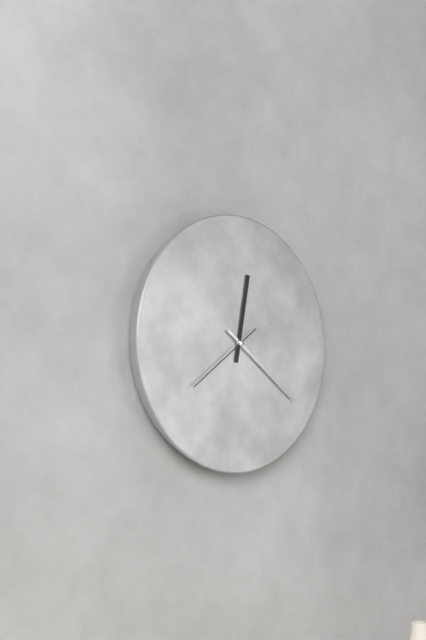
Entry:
12 h 21 min 39 s
